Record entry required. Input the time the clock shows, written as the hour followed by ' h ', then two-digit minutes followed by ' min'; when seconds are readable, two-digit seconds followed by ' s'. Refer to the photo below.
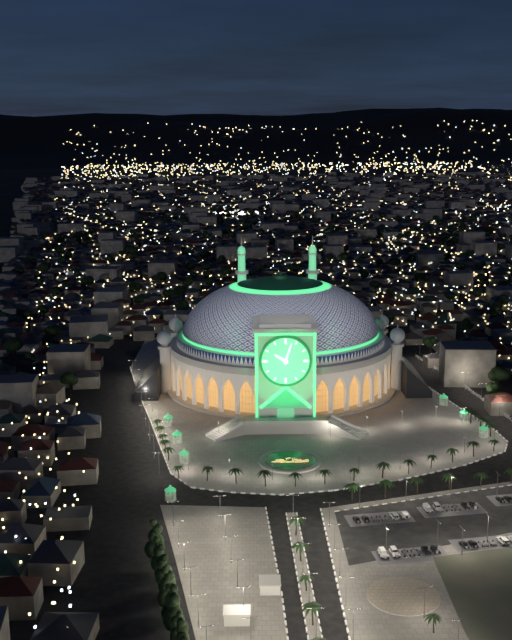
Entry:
10 h 03 min
